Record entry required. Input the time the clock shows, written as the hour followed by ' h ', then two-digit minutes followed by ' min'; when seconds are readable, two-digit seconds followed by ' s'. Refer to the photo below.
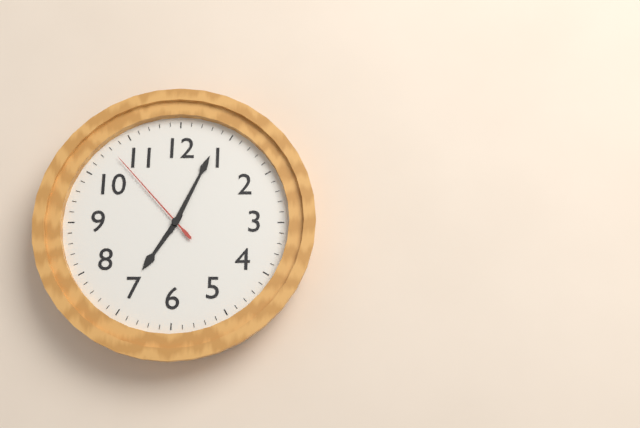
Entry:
7 h 04 min 53 s
